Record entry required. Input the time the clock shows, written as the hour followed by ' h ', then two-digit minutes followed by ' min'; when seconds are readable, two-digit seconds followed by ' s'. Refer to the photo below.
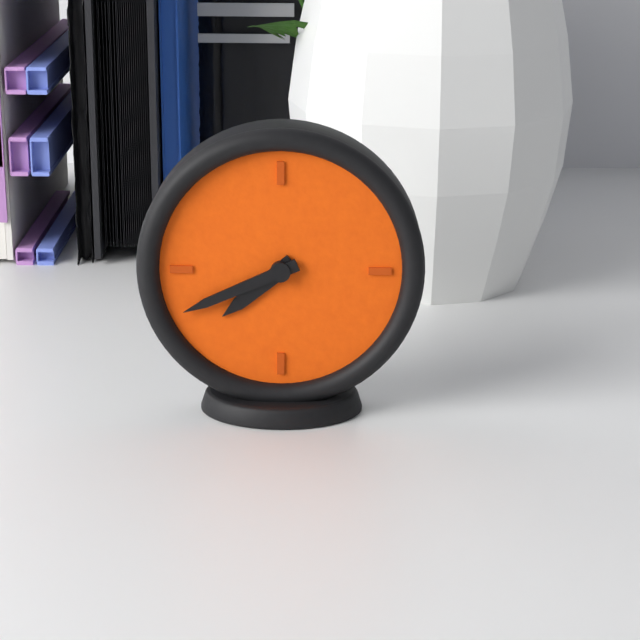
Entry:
7 h 41 min
